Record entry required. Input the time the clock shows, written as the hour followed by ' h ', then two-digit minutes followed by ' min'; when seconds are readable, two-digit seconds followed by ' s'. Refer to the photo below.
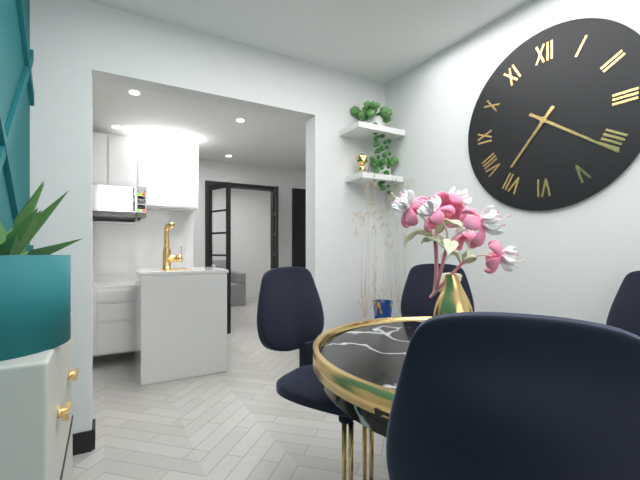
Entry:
7 h 21 min
